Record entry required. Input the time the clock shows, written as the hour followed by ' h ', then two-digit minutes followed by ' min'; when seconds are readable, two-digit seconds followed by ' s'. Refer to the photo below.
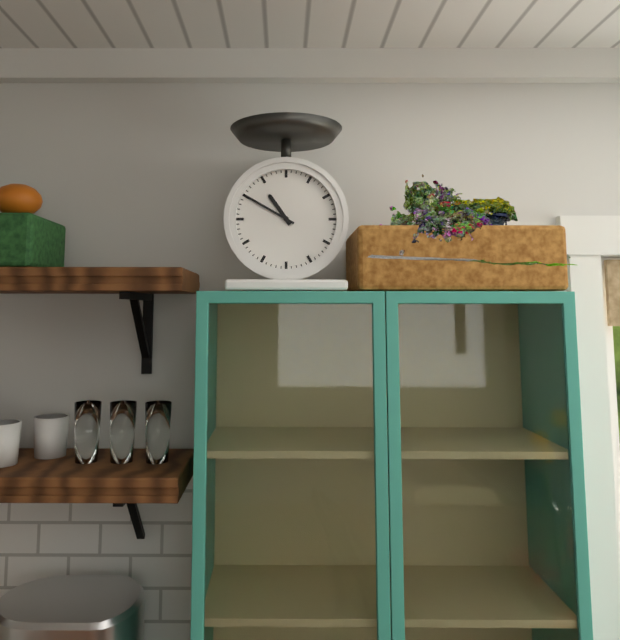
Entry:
10 h 50 min
